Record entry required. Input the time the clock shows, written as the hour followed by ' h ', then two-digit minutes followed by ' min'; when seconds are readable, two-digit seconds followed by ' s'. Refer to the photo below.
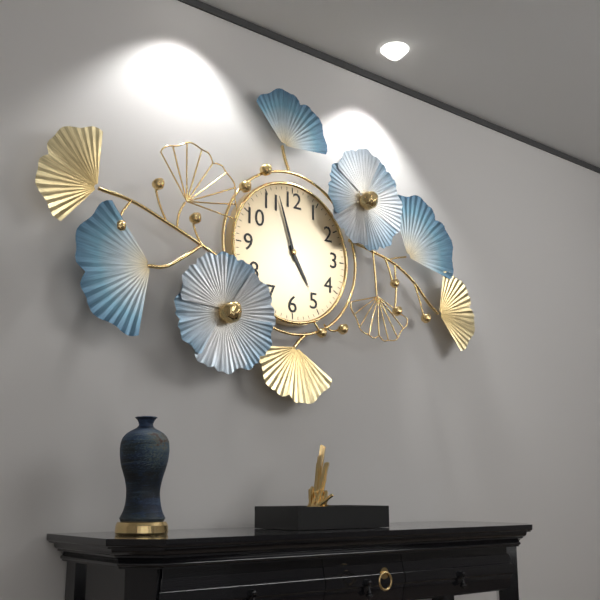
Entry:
4 h 57 min
